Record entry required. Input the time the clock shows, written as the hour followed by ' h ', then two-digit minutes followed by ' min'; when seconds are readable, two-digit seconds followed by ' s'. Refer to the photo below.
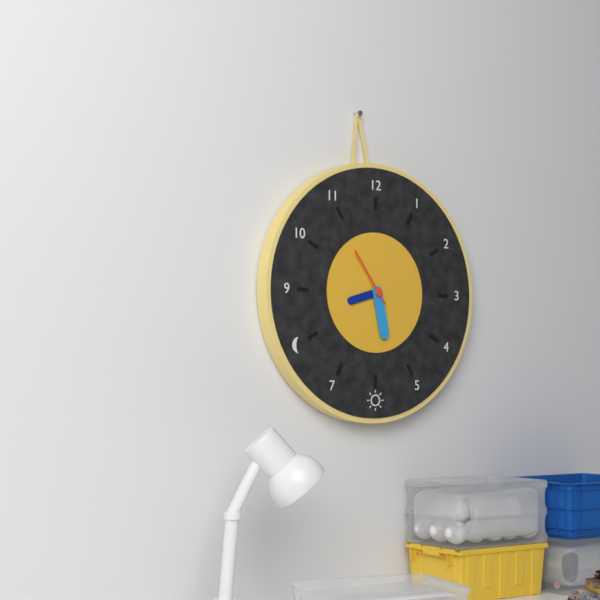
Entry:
8 h 28 min 54 s
